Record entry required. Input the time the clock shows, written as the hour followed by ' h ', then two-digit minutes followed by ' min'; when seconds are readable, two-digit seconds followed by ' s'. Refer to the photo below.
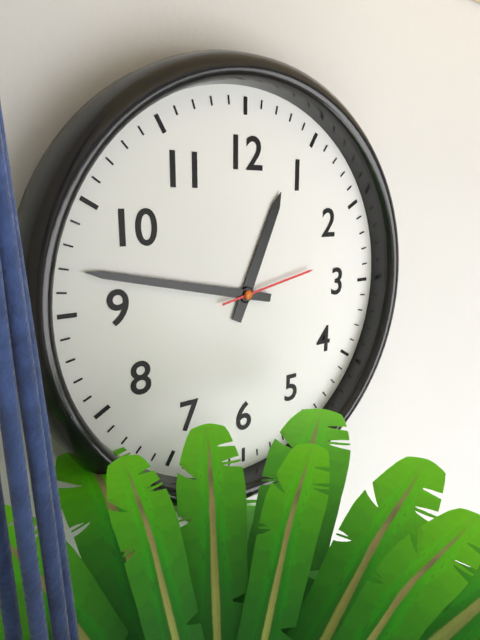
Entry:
12 h 47 min 13 s
